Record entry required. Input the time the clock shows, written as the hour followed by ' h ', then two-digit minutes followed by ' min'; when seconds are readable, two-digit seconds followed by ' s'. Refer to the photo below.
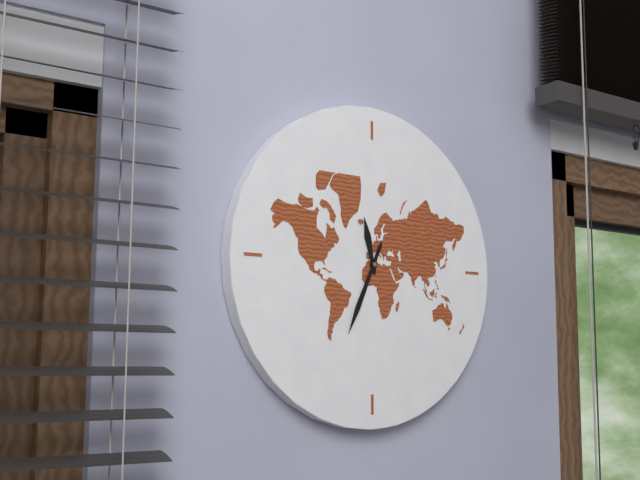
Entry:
11 h 34 min
